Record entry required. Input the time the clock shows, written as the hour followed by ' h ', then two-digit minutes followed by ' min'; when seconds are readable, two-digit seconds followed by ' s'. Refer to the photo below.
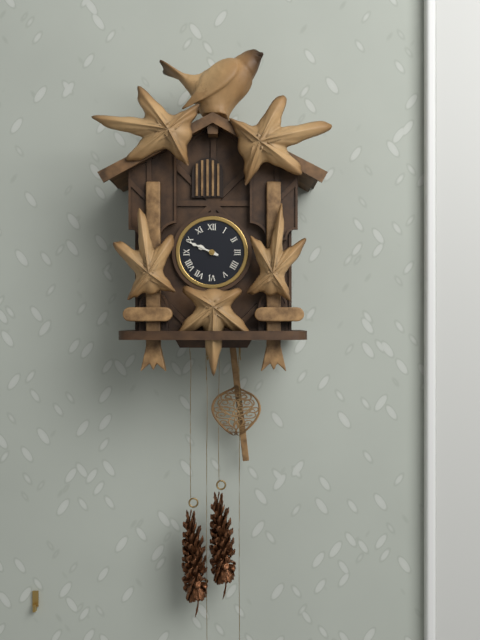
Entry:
9 h 49 min
